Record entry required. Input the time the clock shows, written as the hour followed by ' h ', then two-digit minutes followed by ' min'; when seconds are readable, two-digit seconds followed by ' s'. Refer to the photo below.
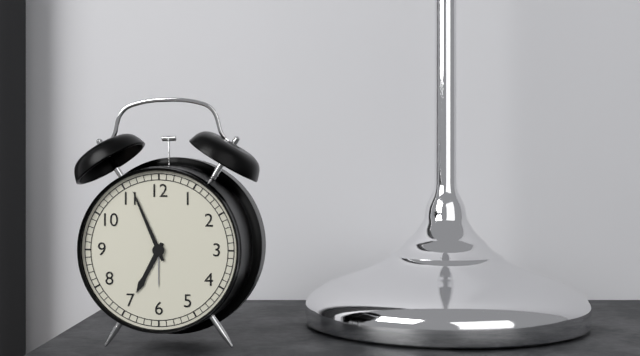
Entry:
6 h 56 min
